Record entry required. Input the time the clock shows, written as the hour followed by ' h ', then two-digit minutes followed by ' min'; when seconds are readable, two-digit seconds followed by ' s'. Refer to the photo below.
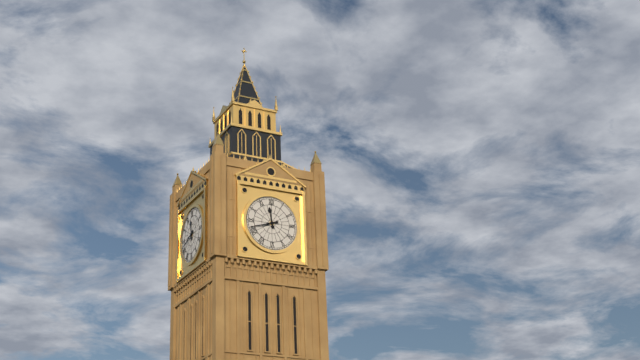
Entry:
11 h 42 min
